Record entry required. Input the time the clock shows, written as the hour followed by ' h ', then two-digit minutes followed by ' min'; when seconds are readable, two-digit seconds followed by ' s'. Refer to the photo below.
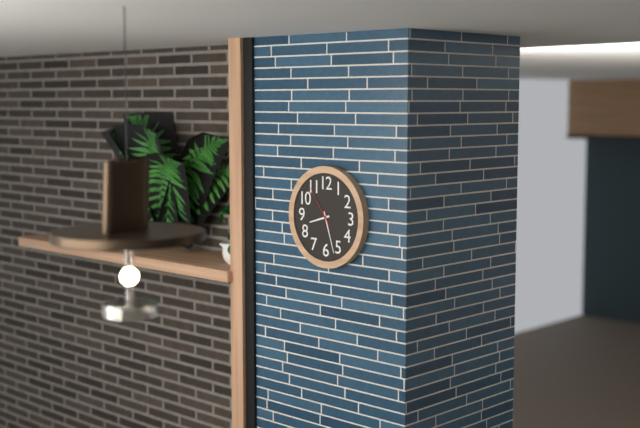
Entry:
8 h 27 min
